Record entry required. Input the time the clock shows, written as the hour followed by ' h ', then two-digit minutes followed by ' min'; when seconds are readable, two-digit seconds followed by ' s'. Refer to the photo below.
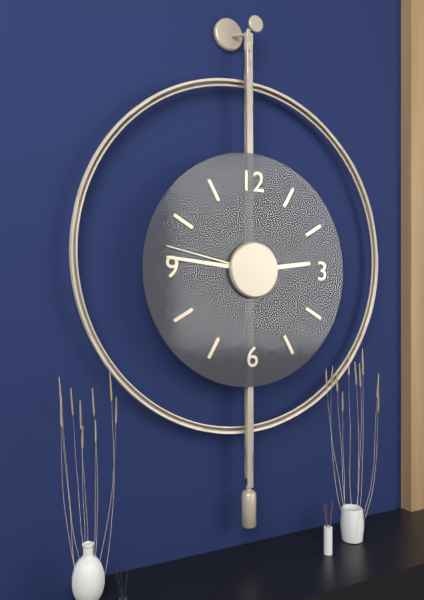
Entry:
2 h 46 min 47 s
